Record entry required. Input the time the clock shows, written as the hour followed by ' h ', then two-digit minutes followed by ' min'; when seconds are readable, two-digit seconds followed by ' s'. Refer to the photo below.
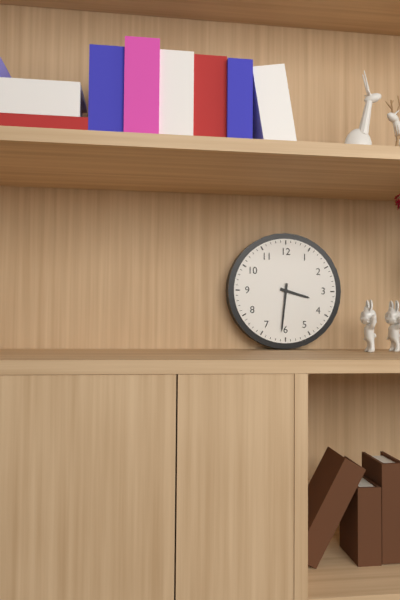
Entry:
3 h 31 min
